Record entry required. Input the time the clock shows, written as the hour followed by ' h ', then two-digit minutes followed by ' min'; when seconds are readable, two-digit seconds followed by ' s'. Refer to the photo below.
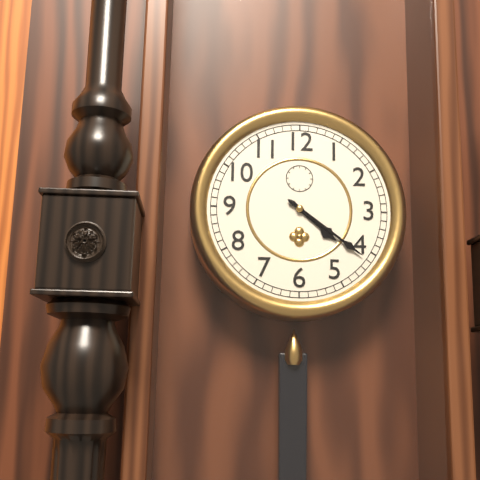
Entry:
4 h 21 min
